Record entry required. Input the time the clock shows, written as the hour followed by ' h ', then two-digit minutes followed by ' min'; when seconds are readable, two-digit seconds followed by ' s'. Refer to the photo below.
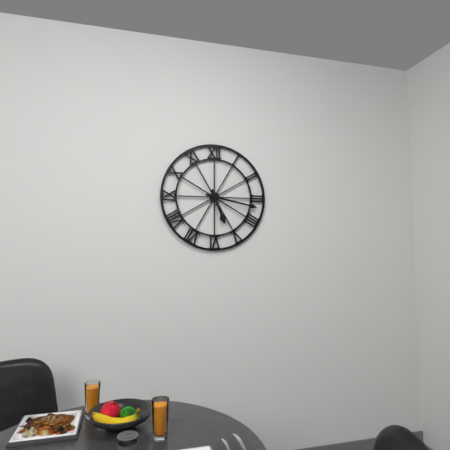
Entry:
5 h 17 min
